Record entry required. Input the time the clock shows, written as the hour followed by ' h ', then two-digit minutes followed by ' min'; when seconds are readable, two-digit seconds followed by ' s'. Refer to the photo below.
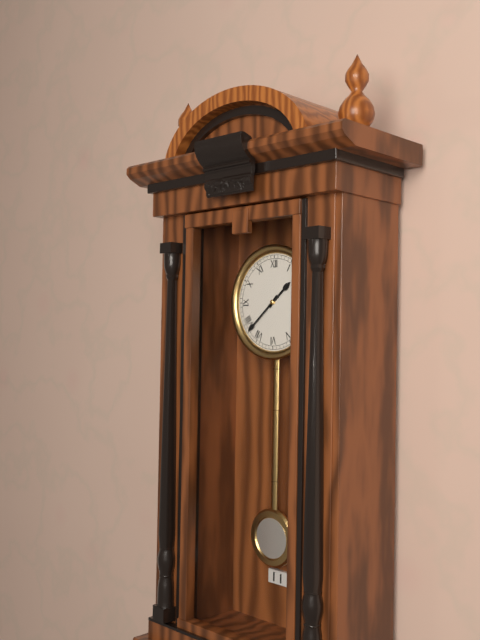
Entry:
1 h 38 min
